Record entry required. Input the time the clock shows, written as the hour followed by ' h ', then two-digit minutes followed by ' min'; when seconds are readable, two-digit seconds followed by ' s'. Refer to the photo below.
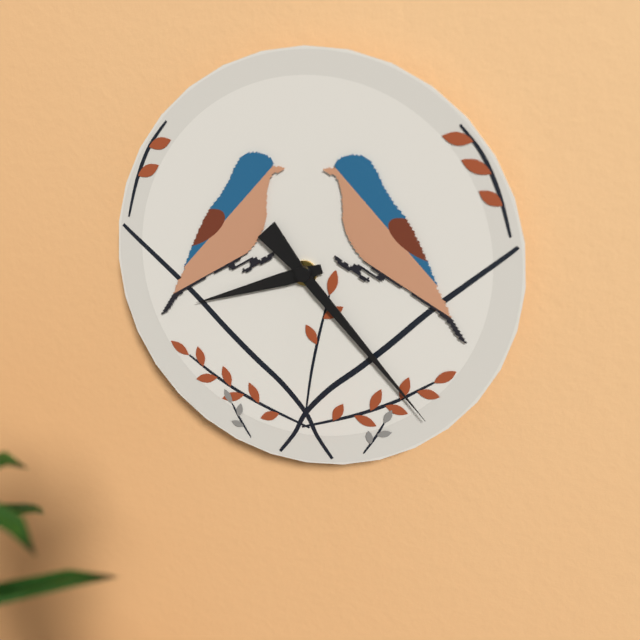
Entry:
8 h 23 min
